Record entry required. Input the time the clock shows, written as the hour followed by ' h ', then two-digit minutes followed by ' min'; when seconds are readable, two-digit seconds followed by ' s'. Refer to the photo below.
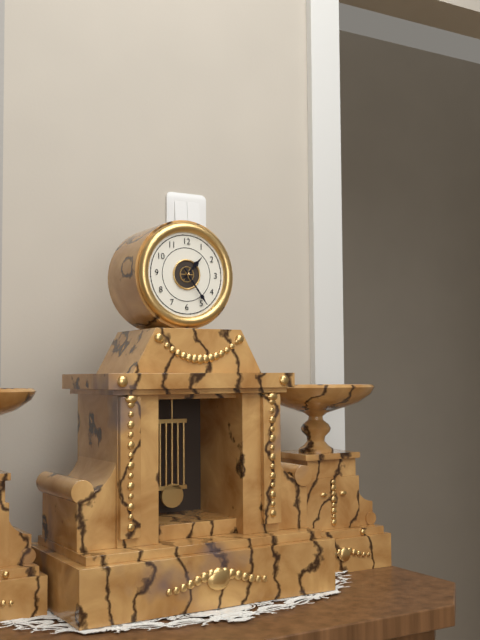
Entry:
1 h 24 min
